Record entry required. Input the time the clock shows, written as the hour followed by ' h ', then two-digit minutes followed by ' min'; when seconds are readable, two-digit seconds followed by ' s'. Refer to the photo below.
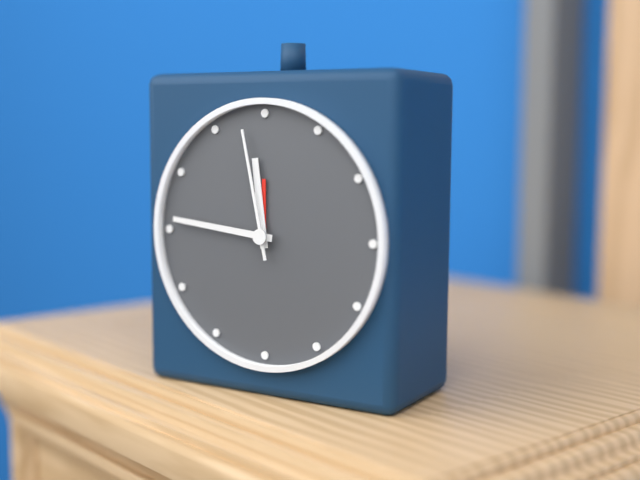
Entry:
11 h 46 min 58 s
